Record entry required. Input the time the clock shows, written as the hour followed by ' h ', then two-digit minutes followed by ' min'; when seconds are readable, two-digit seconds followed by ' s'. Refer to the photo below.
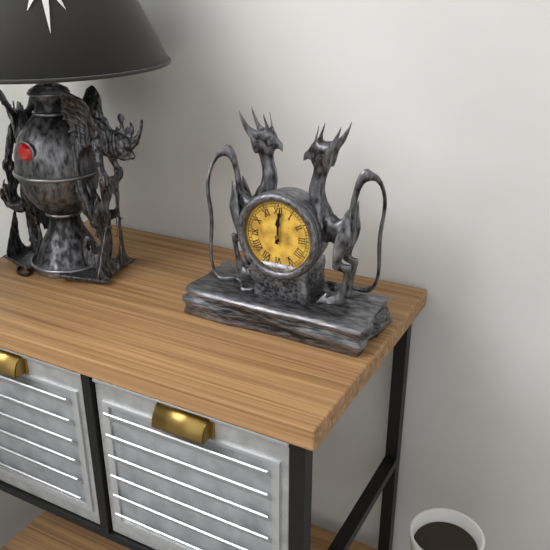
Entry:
12 h 01 min
